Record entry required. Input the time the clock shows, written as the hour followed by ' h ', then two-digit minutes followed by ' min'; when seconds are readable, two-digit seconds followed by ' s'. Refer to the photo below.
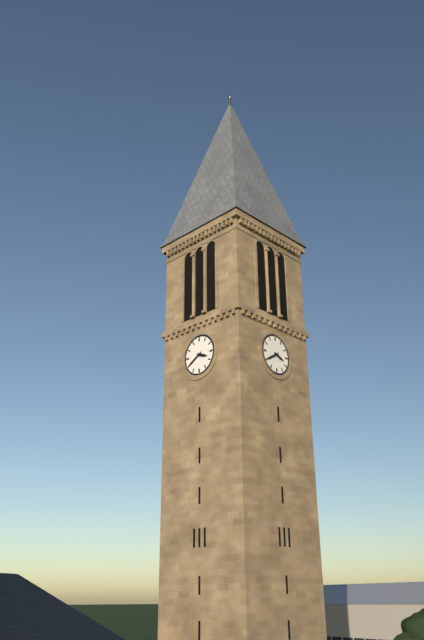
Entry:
3 h 40 min
